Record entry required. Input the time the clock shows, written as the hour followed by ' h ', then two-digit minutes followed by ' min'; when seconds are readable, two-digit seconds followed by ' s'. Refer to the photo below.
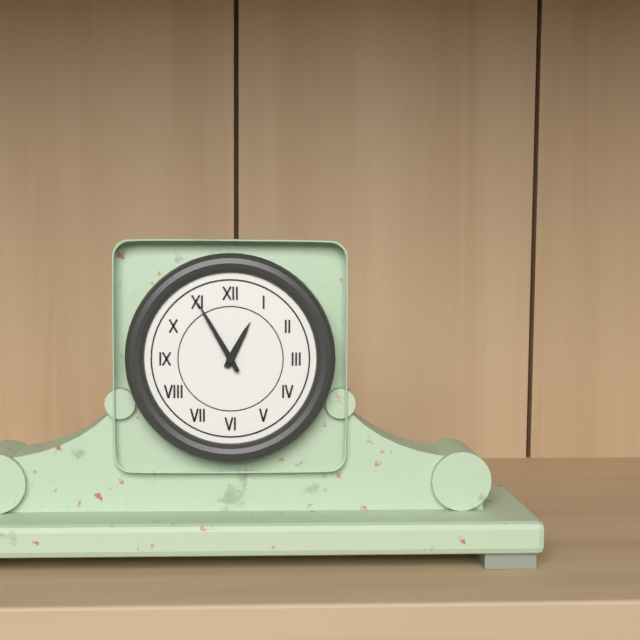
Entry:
12 h 55 min
